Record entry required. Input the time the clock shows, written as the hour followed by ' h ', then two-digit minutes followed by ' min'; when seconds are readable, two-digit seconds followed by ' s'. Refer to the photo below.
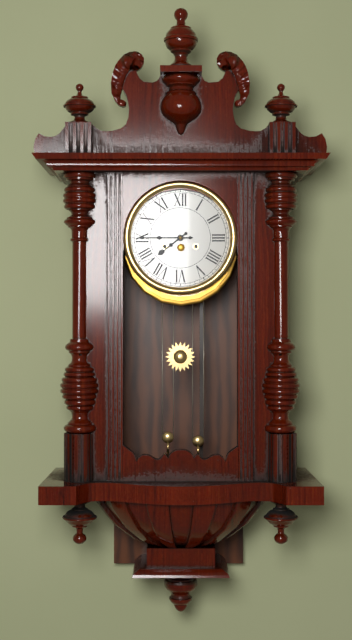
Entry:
7 h 45 min
